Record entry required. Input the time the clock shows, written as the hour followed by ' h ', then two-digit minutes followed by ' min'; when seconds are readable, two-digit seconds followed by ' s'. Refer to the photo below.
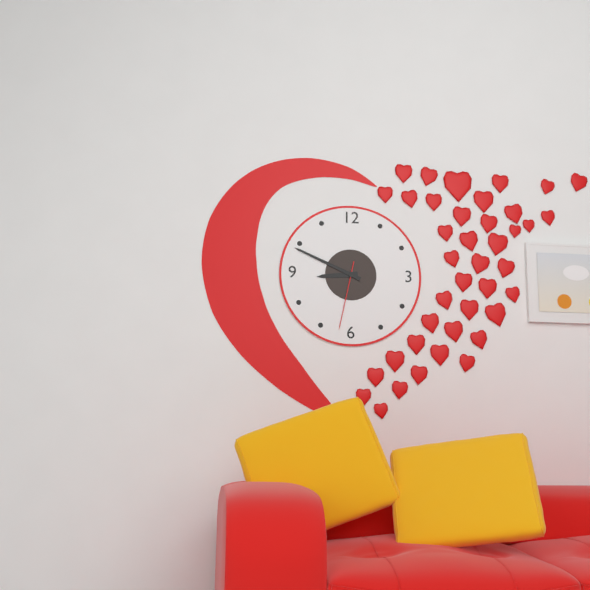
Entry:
8 h 49 min 32 s
